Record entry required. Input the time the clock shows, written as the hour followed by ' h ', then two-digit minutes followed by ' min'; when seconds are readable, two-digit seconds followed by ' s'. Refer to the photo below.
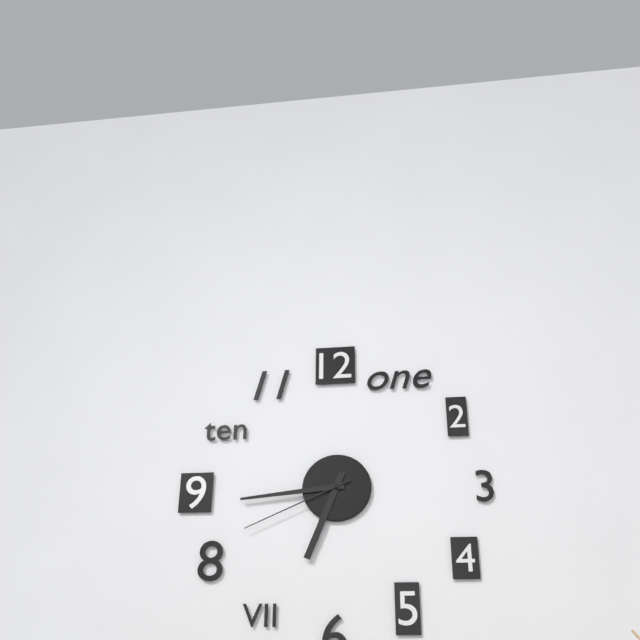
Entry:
6 h 44 min 41 s
